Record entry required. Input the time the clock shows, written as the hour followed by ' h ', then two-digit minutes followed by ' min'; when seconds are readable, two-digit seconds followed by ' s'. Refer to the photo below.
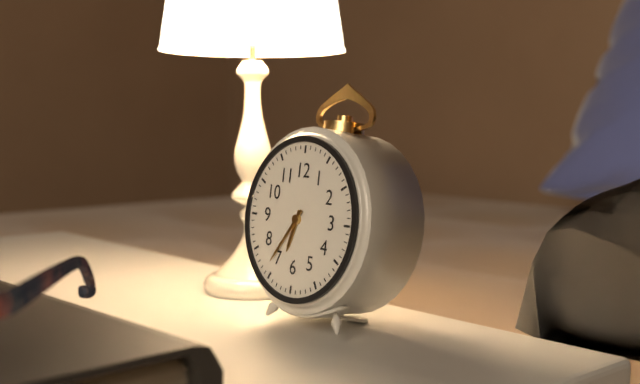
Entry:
6 h 36 min
